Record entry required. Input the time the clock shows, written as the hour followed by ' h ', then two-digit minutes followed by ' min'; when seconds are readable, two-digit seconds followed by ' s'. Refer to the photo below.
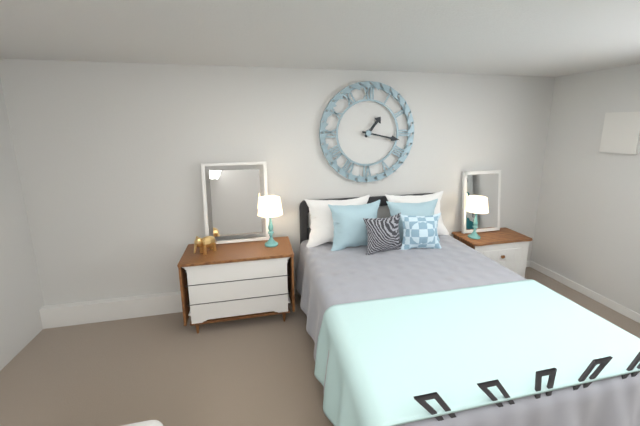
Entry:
1 h 17 min
